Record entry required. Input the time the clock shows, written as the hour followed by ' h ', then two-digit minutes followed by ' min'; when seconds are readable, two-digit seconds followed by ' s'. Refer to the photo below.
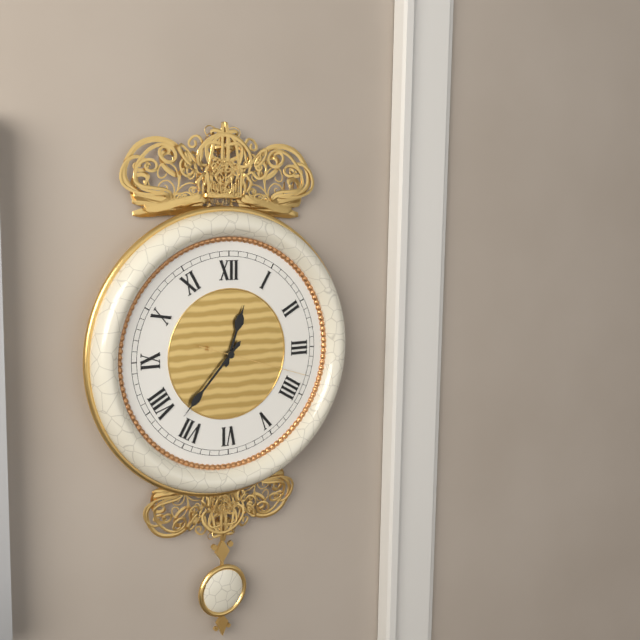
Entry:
12 h 37 min 18 s
